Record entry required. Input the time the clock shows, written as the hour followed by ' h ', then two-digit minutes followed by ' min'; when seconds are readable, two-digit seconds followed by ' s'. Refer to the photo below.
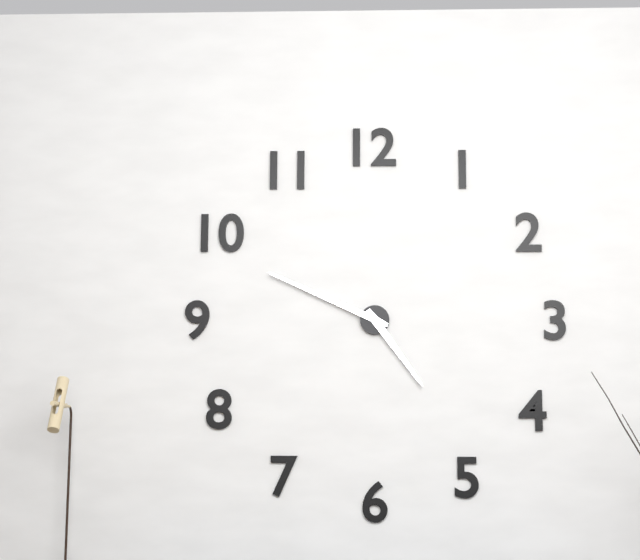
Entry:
4 h 49 min
